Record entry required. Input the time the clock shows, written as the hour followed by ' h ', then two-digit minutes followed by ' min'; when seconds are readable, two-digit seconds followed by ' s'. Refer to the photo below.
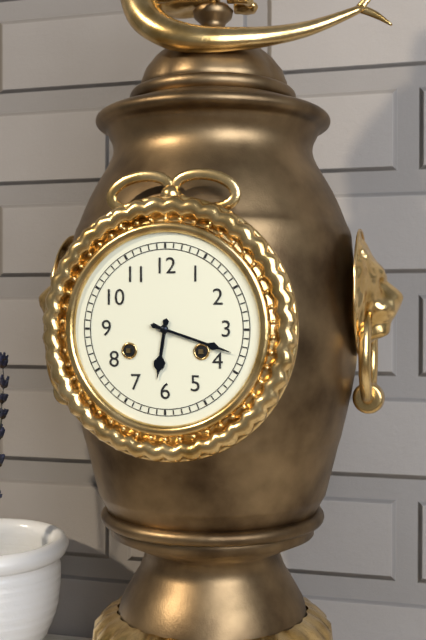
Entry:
6 h 18 min
